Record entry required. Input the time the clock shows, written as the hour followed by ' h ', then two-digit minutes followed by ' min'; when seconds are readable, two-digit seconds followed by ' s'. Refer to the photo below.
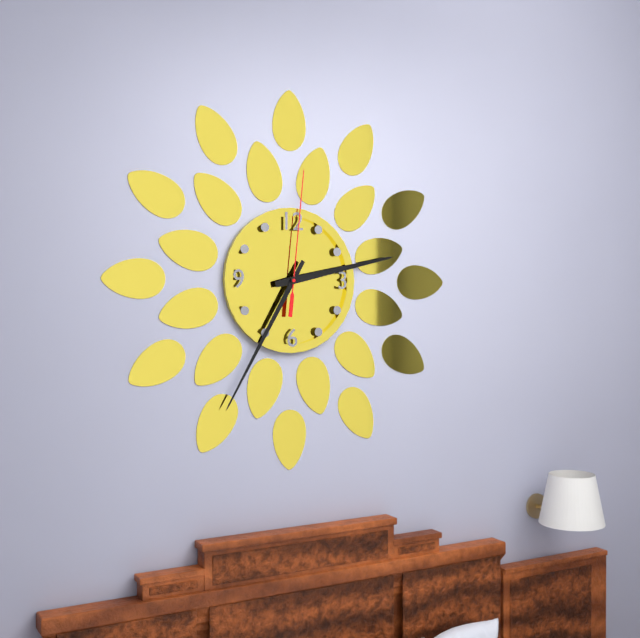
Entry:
2 h 35 min 01 s
